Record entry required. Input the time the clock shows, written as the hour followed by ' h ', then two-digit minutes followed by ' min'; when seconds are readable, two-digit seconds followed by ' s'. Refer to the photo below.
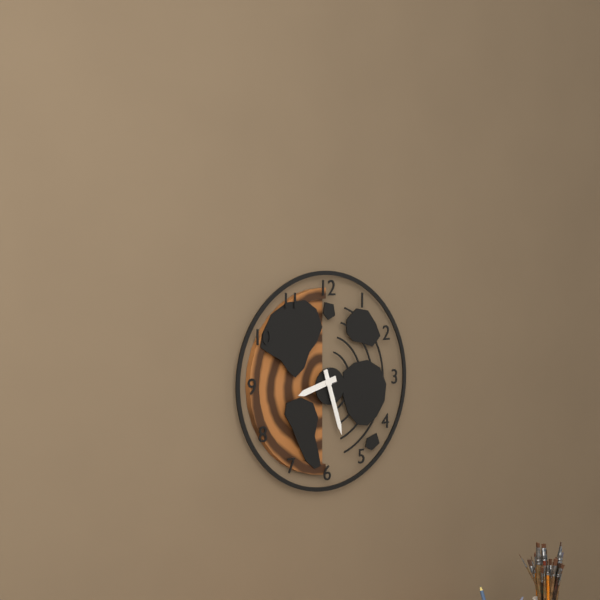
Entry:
8 h 27 min
